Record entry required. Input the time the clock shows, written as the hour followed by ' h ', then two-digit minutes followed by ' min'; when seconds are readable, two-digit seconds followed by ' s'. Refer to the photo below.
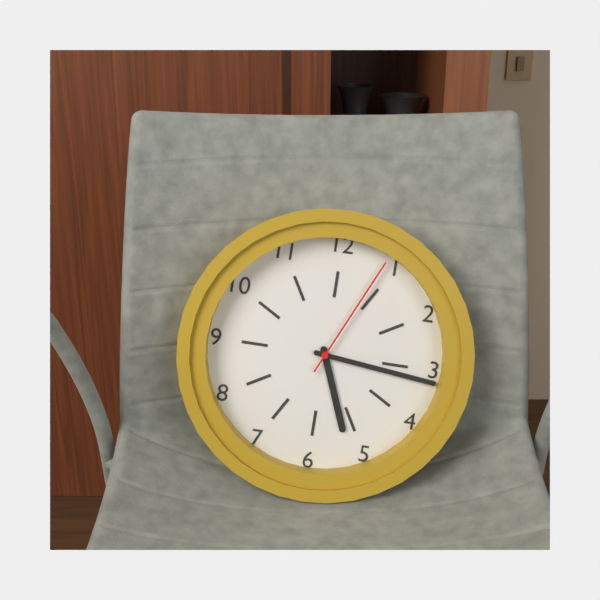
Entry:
5 h 16 min 04 s
